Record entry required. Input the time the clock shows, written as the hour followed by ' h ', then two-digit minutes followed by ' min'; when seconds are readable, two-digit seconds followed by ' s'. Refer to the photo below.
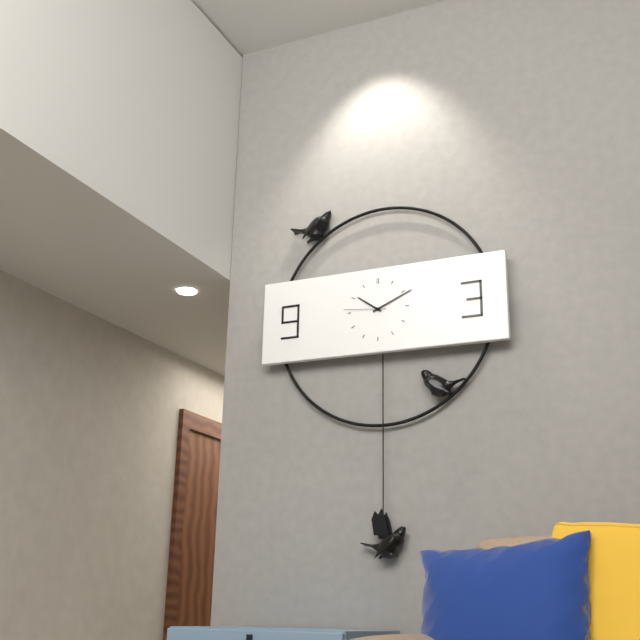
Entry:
10 h 11 min
